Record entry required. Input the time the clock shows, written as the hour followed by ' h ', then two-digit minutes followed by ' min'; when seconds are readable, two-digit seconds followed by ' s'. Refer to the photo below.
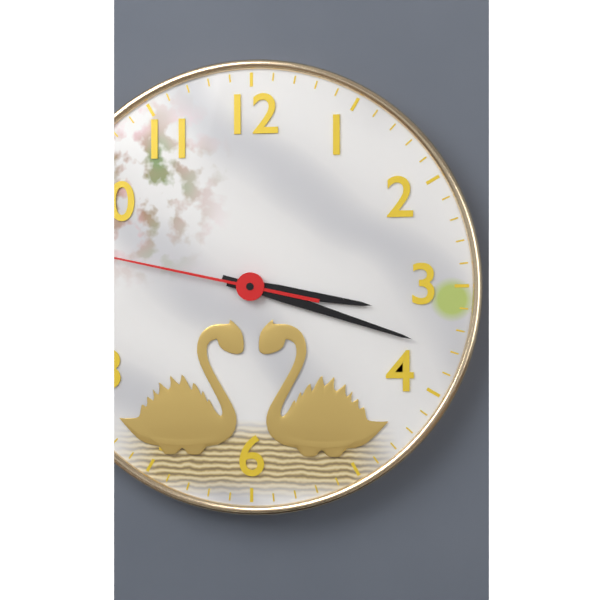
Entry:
3 h 18 min 47 s
